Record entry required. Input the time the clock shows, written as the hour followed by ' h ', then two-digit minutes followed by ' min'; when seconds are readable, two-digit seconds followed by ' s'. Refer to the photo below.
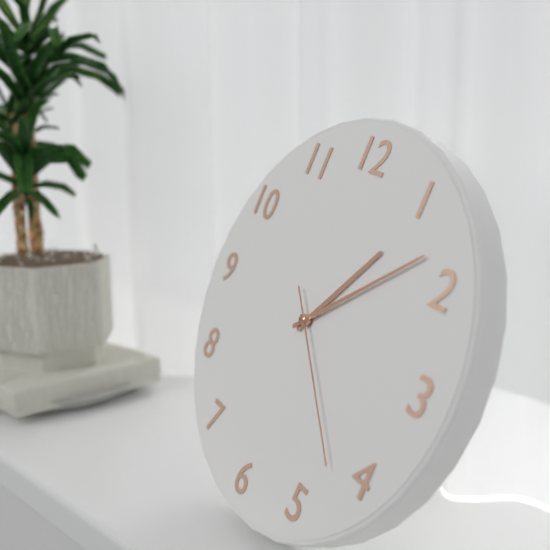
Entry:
1 h 08 min 22 s
